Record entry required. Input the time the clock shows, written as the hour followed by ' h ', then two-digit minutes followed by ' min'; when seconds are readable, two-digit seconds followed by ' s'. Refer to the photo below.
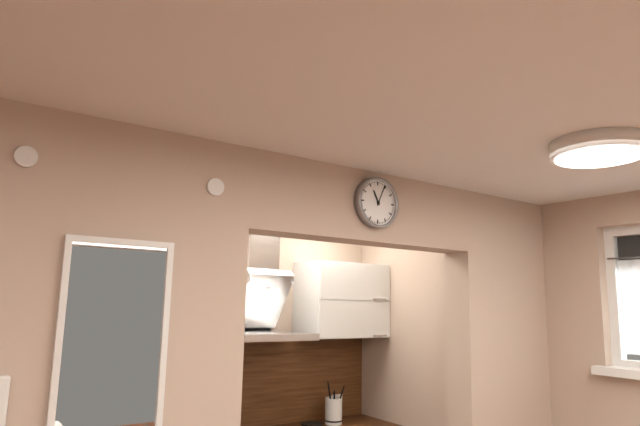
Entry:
11 h 04 min
